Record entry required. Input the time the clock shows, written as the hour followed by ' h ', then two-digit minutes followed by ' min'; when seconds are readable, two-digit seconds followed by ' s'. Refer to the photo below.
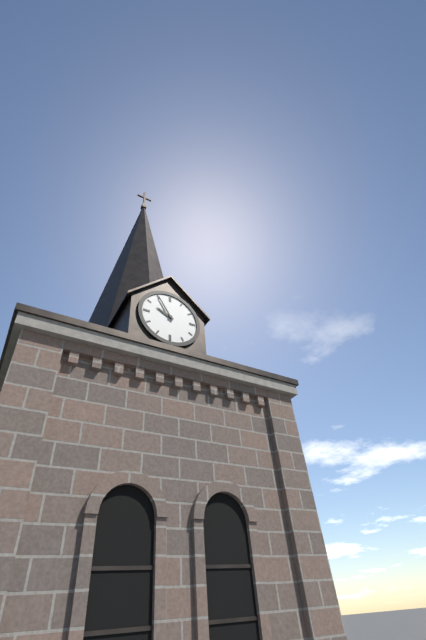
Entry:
9 h 55 min
